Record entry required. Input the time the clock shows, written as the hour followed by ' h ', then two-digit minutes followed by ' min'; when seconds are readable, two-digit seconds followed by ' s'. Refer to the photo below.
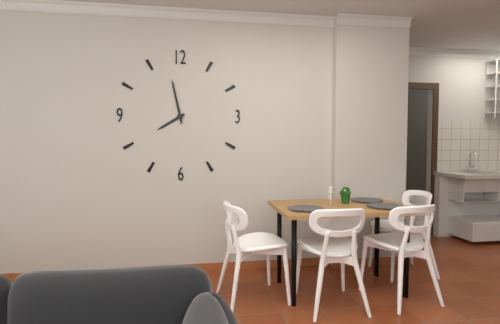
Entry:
7 h 58 min
